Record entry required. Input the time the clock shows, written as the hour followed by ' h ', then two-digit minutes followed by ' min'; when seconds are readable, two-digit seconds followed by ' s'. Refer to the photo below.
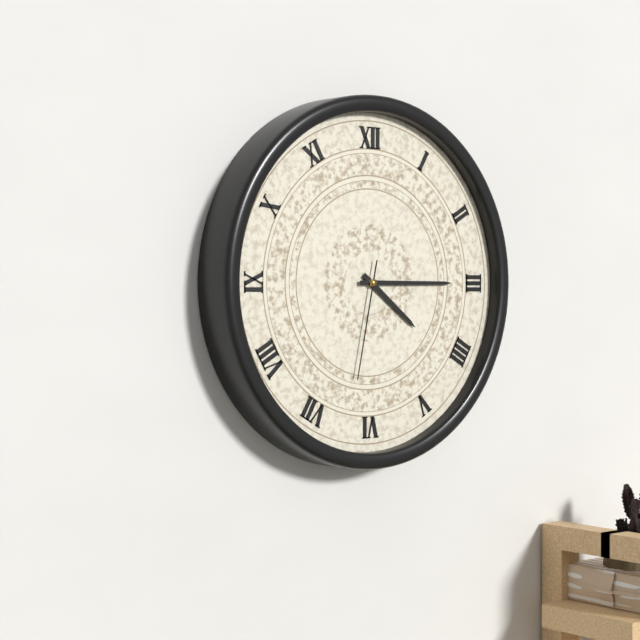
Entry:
4 h 15 min 32 s
